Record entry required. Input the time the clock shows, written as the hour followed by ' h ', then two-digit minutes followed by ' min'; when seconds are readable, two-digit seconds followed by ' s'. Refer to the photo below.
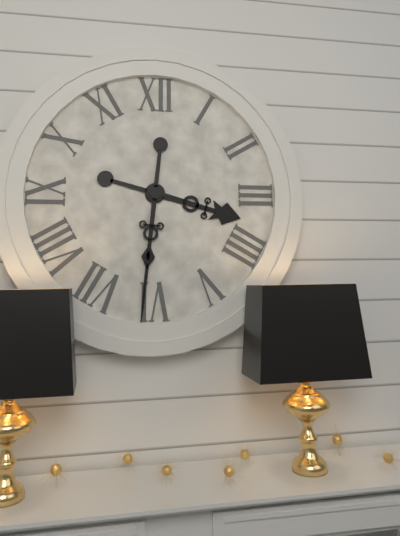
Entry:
3 h 31 min
